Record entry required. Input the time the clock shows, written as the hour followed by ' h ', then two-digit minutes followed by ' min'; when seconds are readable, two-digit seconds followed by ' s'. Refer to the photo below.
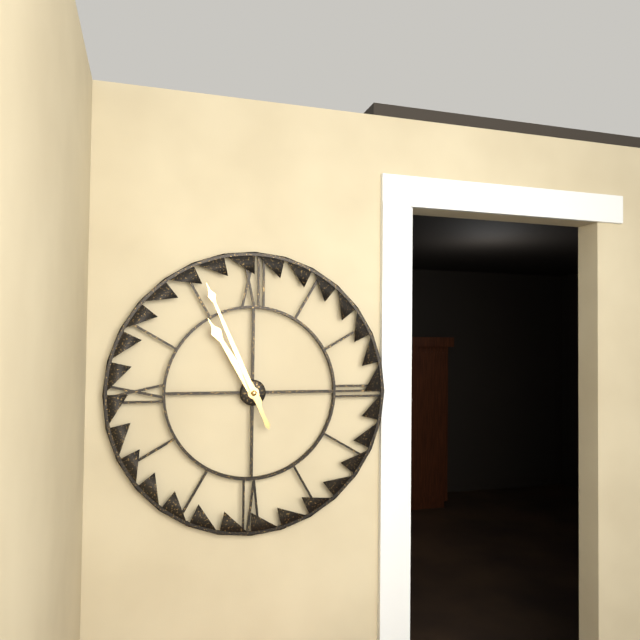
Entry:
10 h 56 min
